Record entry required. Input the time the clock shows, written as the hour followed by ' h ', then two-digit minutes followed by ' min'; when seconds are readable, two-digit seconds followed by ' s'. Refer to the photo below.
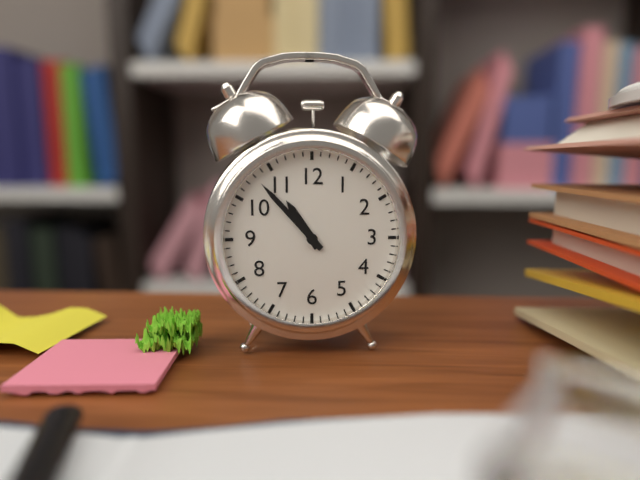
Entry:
10 h 53 min
